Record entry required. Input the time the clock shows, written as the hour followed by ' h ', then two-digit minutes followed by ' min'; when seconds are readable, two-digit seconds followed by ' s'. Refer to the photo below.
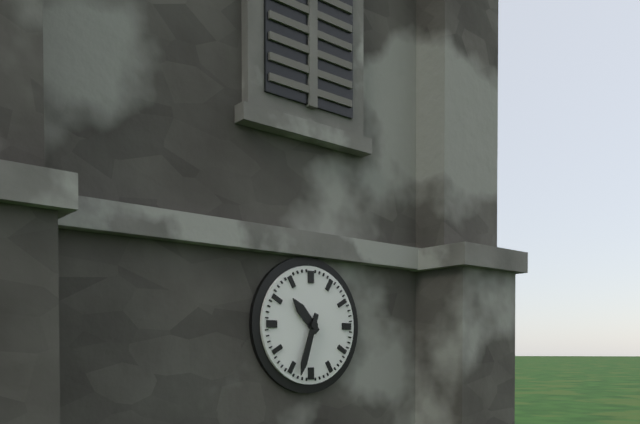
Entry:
10 h 33 min
